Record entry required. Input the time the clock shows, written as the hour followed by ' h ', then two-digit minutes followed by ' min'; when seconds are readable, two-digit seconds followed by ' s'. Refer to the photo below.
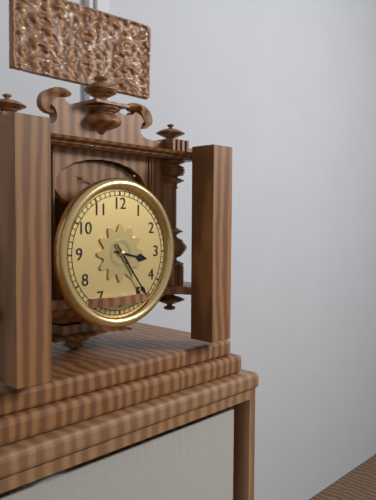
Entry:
3 h 24 min
